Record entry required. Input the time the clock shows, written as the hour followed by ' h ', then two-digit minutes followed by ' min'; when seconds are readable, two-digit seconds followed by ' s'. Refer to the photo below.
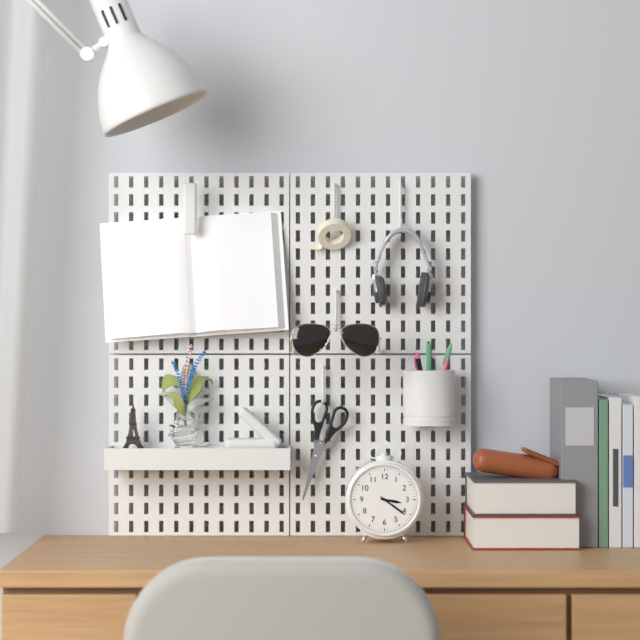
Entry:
3 h 21 min
